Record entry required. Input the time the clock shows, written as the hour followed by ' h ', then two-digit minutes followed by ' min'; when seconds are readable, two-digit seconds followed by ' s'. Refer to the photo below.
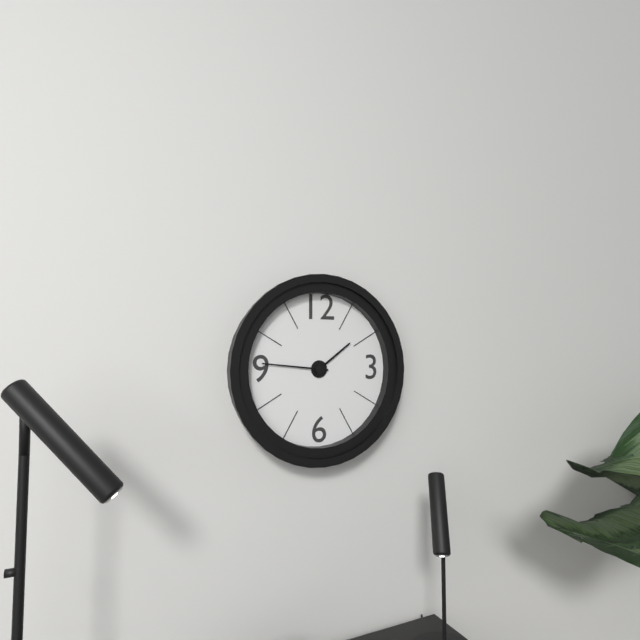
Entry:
1 h 46 min
